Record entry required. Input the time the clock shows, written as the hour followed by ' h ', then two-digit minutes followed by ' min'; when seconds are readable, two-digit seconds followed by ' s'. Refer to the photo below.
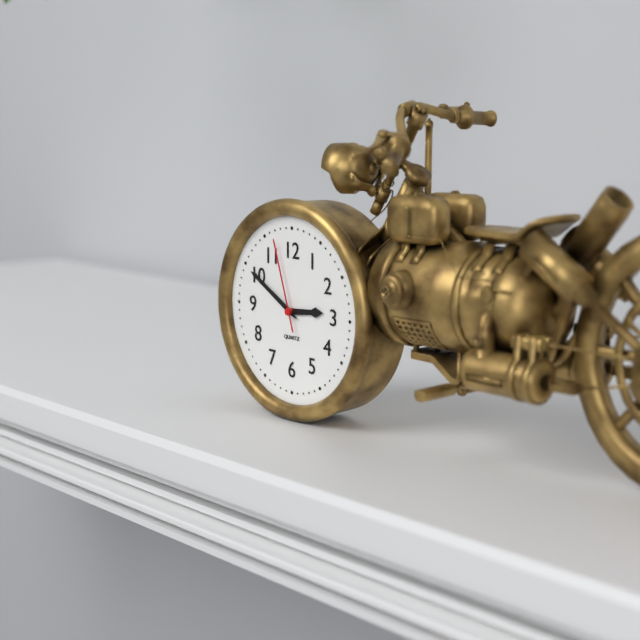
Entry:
2 h 50 min 57 s
